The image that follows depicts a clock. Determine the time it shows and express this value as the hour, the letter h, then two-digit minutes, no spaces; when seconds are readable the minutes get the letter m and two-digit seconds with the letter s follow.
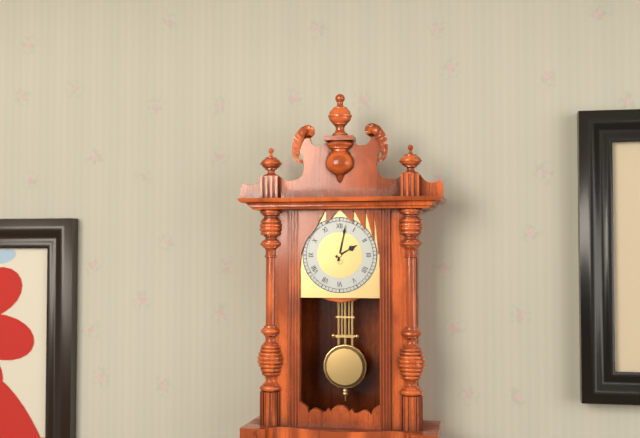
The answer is 2h02
